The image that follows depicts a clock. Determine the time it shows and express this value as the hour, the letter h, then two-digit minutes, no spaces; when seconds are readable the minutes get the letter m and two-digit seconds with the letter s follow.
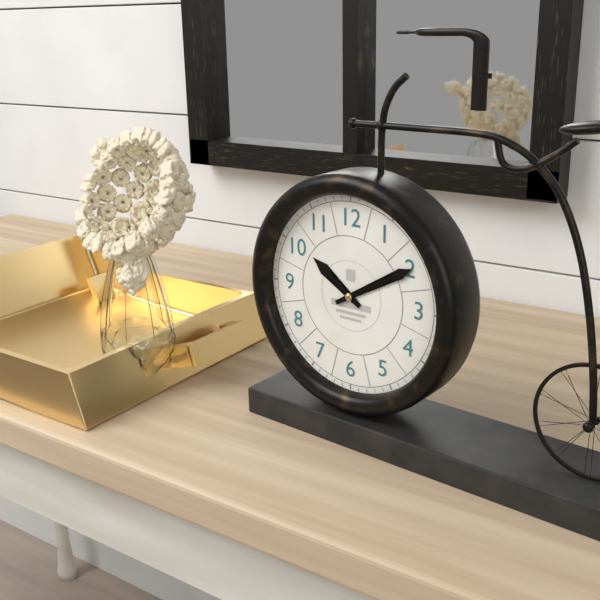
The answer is 10h10
